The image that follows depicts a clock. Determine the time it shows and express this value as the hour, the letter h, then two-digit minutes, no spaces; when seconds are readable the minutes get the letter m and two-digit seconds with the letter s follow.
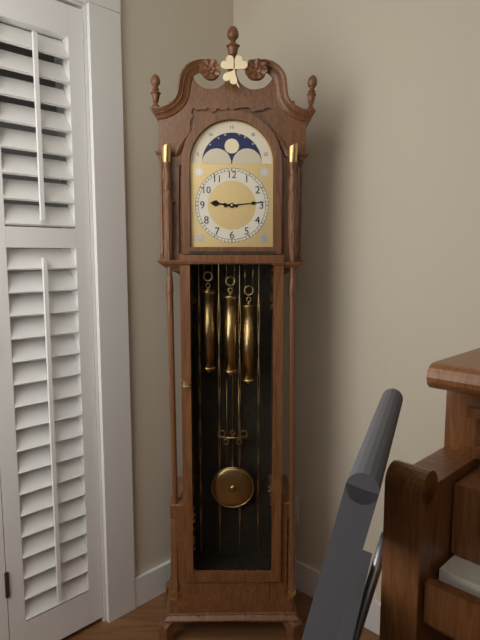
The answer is 9h14
